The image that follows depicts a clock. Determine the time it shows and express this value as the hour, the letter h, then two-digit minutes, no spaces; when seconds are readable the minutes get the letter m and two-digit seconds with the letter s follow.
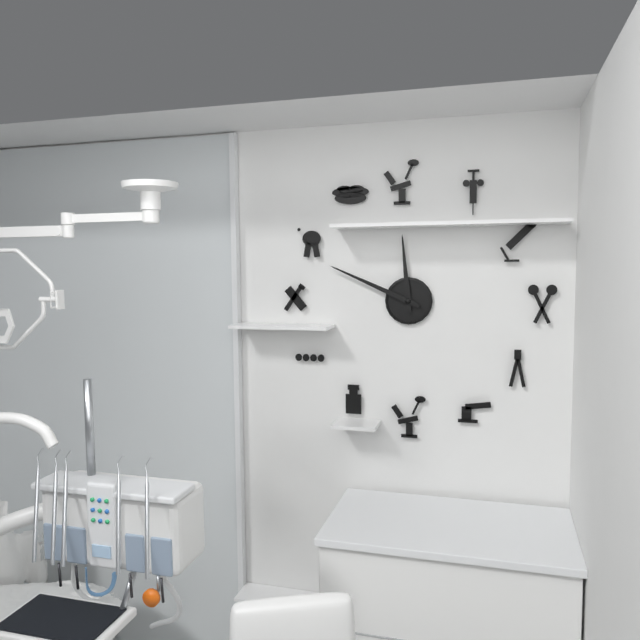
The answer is 11h49
